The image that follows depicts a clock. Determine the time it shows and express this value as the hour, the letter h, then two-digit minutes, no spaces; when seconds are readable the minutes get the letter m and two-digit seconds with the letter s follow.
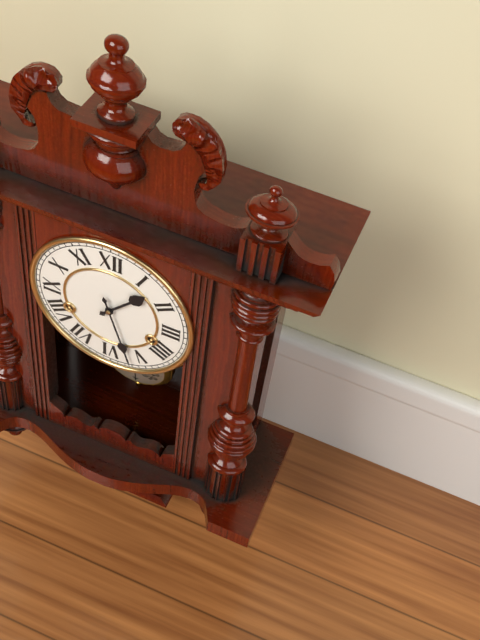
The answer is 1h27
